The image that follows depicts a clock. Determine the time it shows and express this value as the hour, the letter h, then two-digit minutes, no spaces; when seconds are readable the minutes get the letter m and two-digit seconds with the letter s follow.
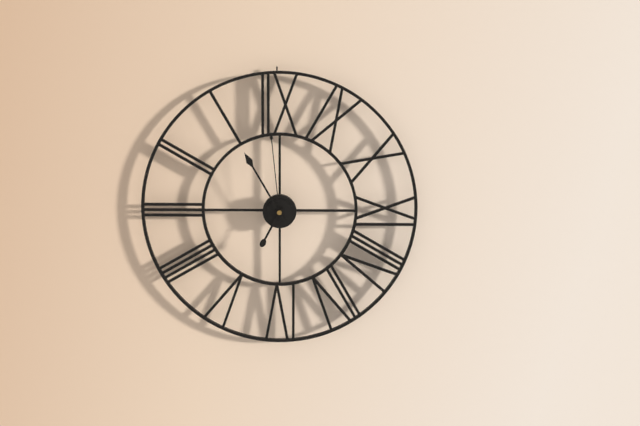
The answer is 6h55m59s
